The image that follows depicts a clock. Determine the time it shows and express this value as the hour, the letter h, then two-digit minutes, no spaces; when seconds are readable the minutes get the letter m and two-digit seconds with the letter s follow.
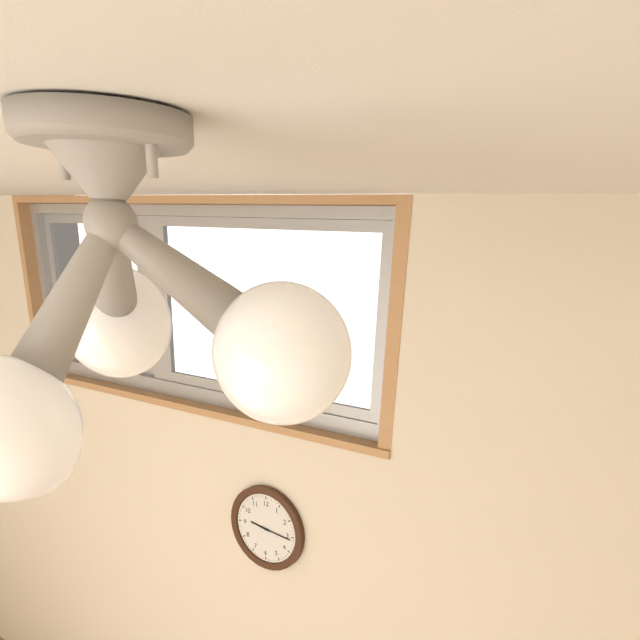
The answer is 9h16
